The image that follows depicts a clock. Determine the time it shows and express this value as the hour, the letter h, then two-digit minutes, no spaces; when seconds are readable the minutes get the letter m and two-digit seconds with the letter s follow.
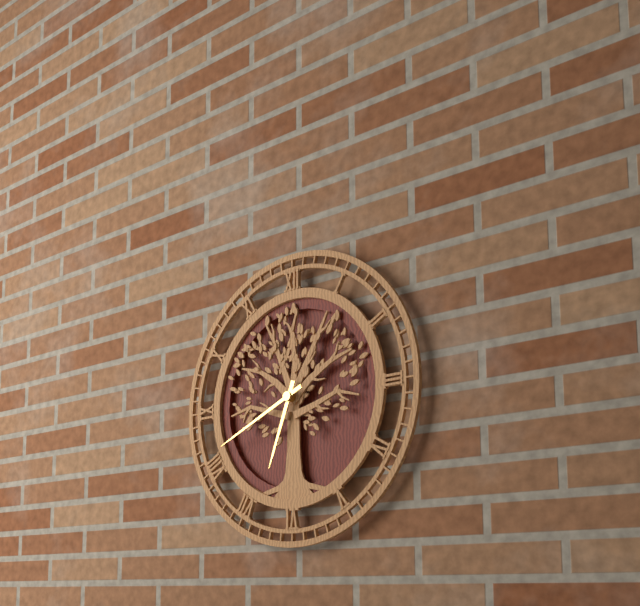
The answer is 6h41
